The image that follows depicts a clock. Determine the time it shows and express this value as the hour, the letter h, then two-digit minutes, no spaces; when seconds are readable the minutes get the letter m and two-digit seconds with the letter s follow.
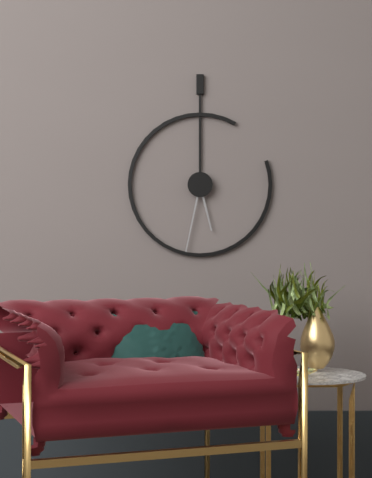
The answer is 5h32
